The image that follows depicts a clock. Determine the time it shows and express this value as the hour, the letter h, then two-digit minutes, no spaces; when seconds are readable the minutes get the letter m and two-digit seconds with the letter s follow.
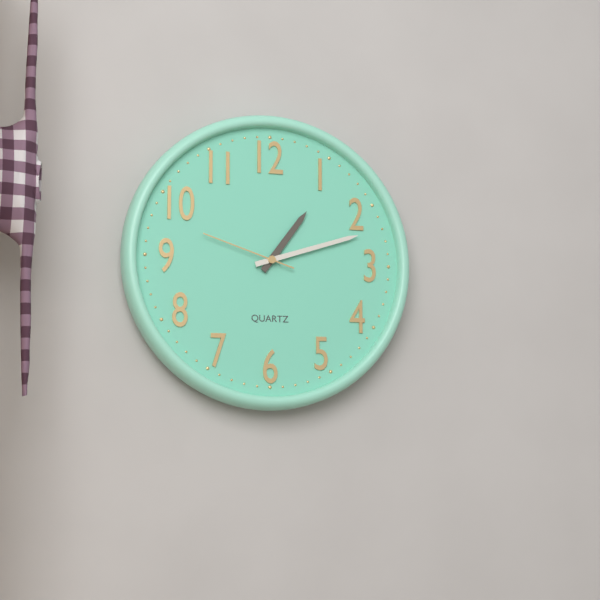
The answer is 1h12m48s
